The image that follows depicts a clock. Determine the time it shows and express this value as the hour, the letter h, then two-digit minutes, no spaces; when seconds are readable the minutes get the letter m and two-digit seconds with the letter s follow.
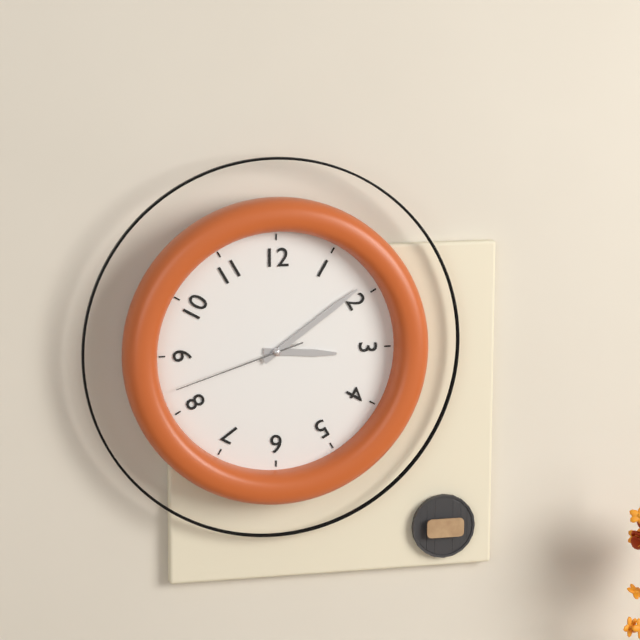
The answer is 3h09m42s
